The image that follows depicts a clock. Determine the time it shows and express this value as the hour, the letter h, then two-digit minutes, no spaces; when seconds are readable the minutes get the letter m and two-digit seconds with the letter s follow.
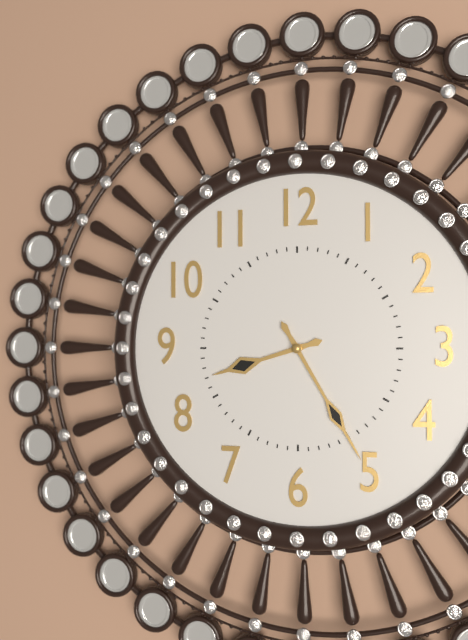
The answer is 8h25
